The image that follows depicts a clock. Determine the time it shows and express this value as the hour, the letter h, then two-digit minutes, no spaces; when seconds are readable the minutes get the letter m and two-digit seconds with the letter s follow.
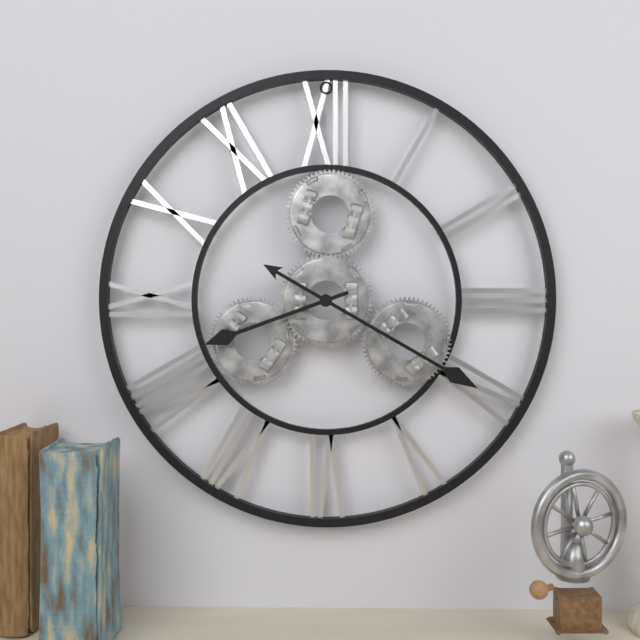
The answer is 8h20
